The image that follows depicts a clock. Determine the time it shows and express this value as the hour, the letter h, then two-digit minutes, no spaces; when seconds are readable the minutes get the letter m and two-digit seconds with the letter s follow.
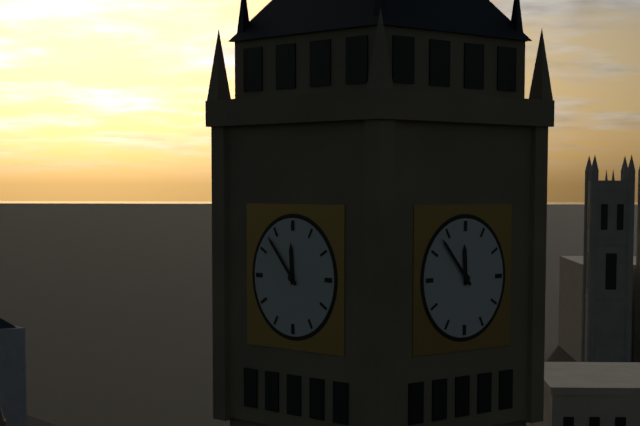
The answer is 11h53
